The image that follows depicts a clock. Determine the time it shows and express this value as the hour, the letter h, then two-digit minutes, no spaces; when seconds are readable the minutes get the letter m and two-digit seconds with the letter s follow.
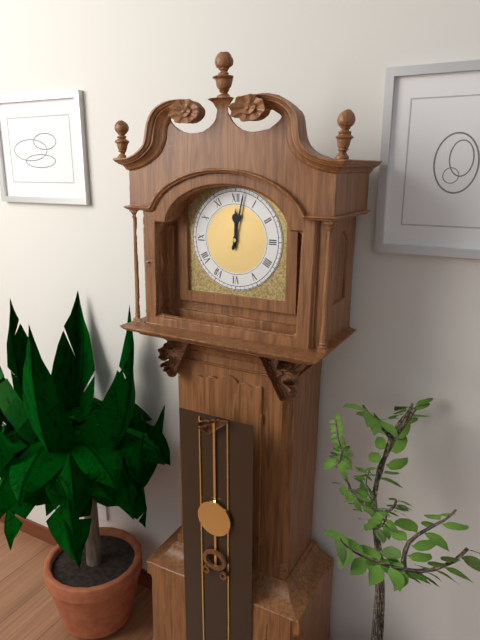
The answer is 12h02
